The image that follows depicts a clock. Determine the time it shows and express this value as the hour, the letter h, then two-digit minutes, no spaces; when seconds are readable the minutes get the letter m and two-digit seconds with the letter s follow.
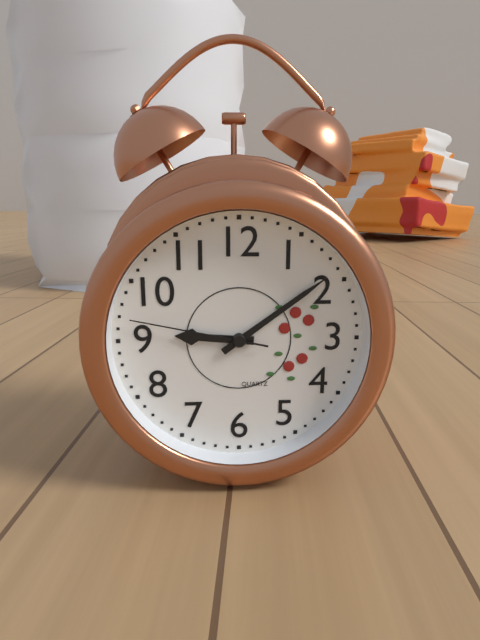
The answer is 9h09m47s
